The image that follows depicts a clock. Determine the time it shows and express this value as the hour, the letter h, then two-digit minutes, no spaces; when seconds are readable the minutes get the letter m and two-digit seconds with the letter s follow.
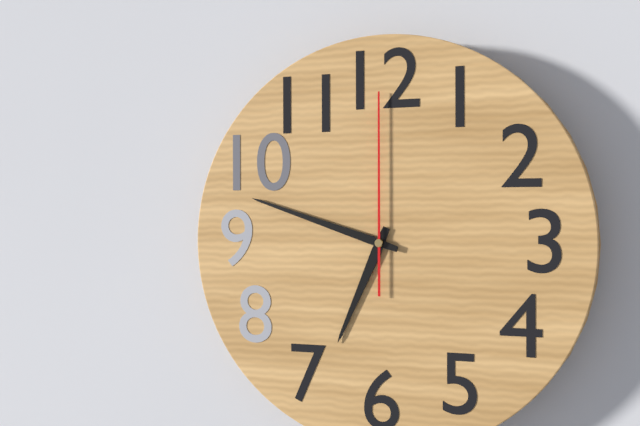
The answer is 6h48m00s
